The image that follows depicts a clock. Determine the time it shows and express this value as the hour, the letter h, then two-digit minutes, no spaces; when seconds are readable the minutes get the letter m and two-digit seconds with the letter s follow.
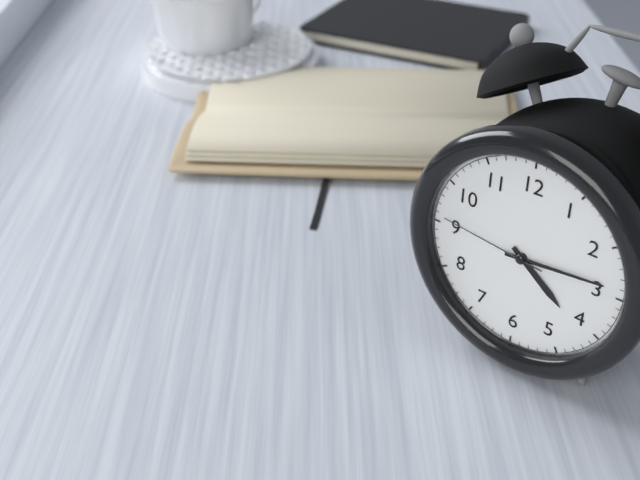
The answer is 4h14m46s
